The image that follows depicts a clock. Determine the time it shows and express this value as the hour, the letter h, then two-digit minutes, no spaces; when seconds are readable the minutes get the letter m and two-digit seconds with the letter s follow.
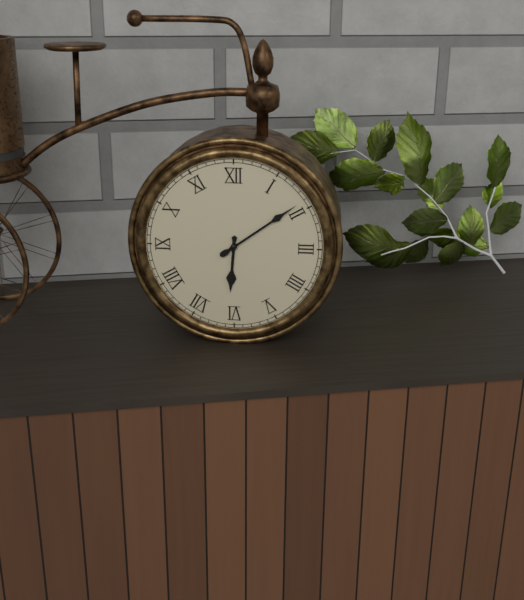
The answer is 6h09
